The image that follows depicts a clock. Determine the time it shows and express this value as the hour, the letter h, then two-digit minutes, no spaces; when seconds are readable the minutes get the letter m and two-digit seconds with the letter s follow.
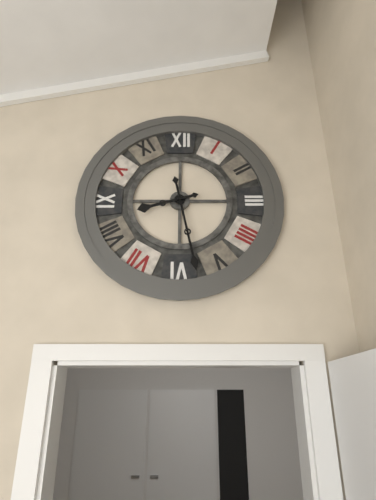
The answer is 8h28
